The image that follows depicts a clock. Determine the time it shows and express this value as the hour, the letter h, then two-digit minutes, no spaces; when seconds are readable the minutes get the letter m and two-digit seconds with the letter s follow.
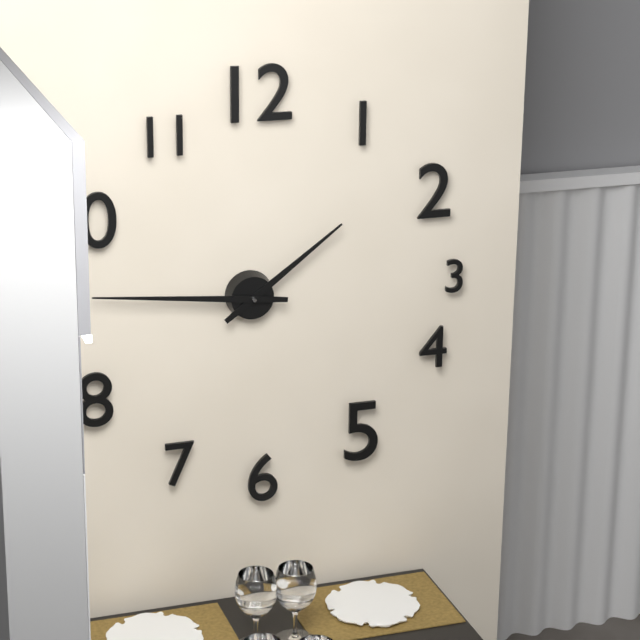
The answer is 1h46
